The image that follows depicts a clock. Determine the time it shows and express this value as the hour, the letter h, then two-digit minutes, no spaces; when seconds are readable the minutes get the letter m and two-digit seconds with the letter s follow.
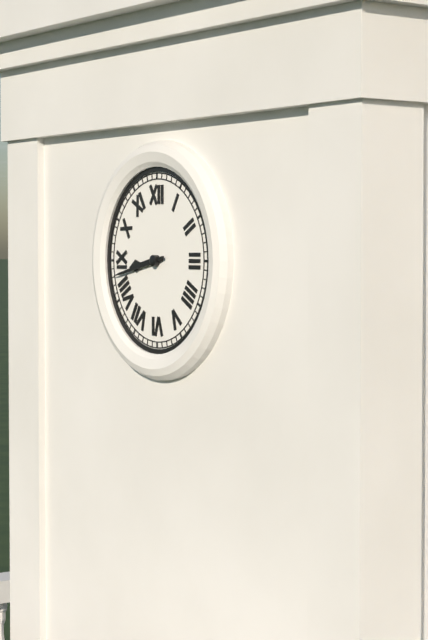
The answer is 8h43
